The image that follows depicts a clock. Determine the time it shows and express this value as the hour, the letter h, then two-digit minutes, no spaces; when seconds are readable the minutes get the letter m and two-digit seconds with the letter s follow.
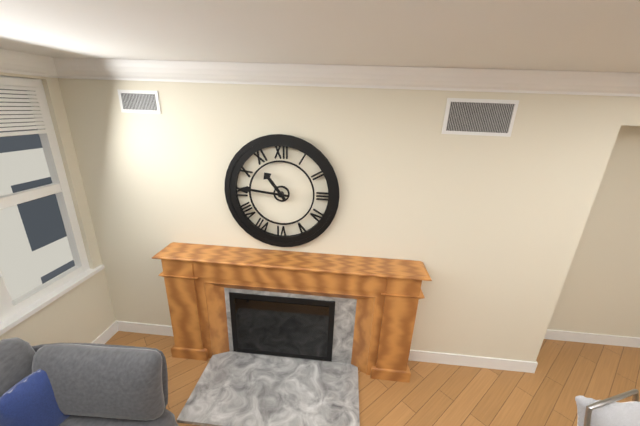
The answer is 10h46
